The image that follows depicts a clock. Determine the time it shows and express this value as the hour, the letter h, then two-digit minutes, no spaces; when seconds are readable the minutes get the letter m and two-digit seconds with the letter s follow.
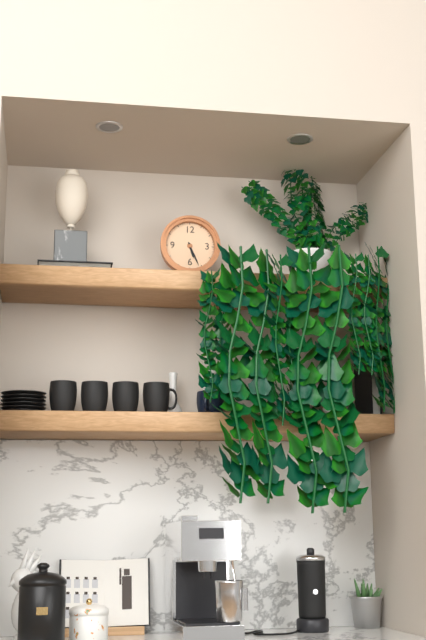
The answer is 5h26
